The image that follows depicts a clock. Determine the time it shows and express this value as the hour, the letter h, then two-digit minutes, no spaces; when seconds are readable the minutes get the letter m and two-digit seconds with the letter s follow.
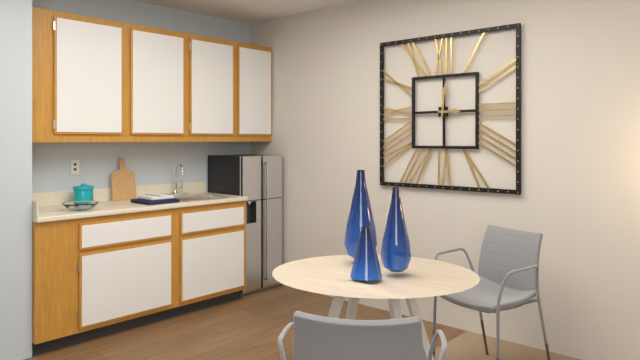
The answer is 3h01
